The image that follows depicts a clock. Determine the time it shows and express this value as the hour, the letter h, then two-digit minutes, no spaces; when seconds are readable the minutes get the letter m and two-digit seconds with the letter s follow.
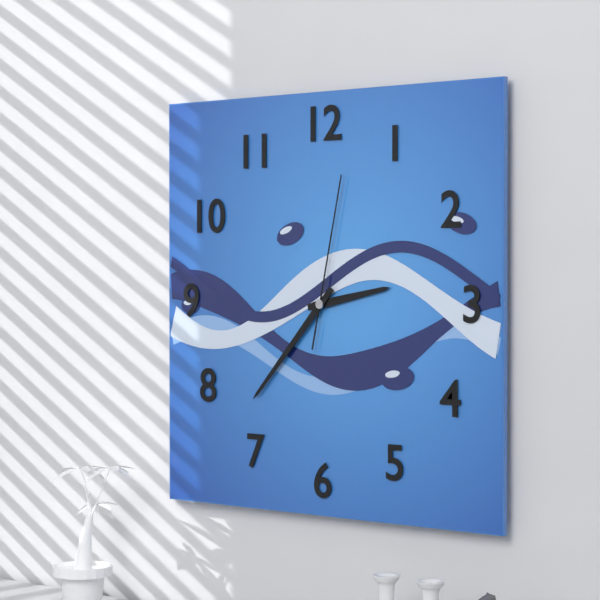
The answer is 2h37m02s
